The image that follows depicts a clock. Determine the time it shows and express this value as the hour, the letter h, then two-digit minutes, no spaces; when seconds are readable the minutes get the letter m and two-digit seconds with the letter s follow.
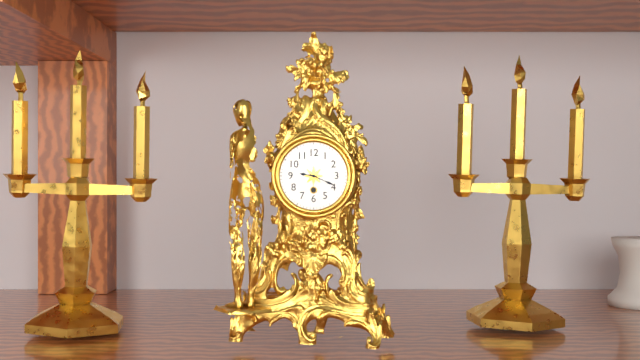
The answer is 9h19
